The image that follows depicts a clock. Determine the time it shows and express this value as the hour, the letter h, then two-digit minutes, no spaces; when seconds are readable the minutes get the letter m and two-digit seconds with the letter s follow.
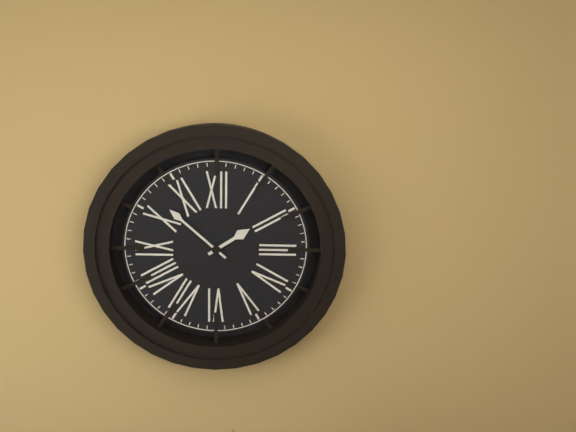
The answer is 1h52
